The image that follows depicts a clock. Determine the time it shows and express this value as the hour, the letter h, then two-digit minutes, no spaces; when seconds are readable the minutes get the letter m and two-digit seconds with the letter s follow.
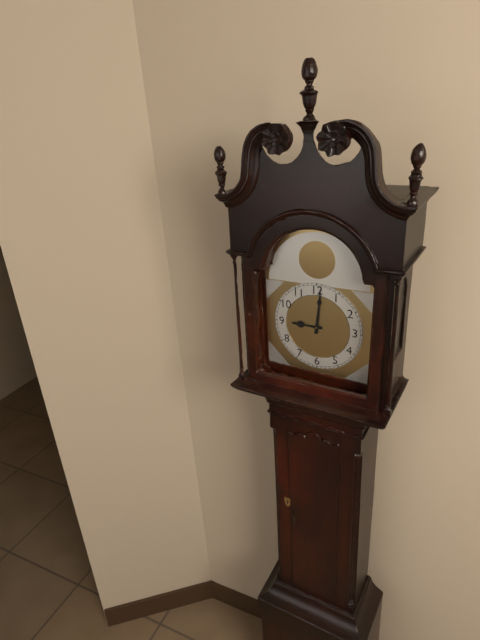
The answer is 9h01
